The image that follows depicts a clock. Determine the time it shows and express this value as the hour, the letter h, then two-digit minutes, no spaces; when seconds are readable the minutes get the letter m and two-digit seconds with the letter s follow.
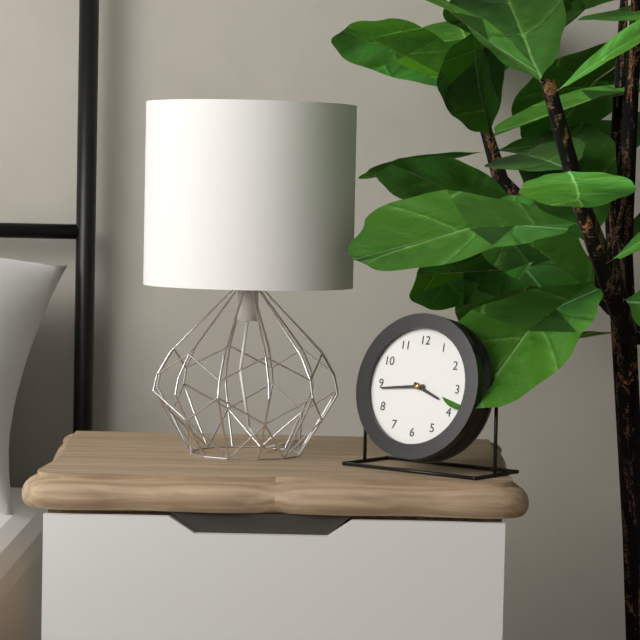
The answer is 3h44
